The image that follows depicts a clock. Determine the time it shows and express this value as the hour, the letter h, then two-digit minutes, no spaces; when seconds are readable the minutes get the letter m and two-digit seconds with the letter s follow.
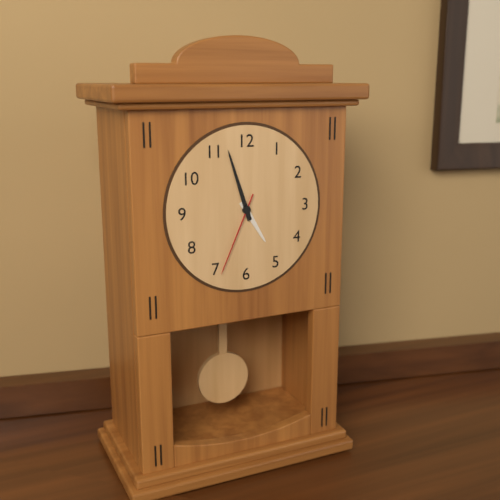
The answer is 4h57m34s
